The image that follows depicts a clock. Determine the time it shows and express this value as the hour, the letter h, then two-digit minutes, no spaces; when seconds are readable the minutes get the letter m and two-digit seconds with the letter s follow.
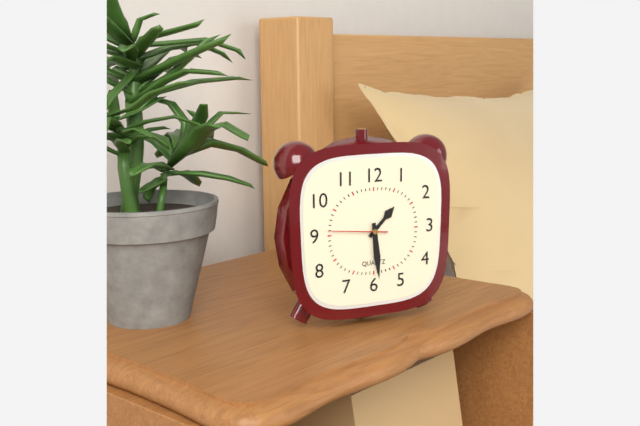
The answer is 1h29m46s
